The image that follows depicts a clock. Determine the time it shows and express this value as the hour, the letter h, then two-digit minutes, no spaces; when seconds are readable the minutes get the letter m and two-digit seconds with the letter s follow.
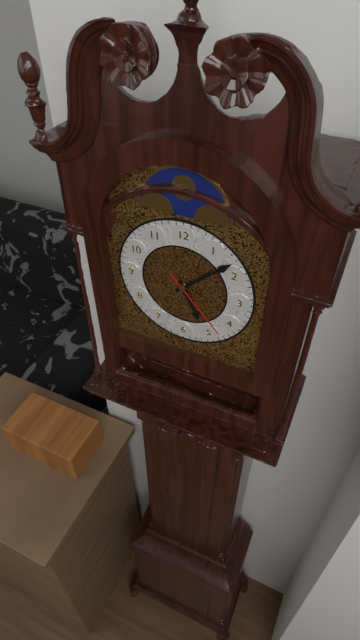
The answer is 5h08m23s
